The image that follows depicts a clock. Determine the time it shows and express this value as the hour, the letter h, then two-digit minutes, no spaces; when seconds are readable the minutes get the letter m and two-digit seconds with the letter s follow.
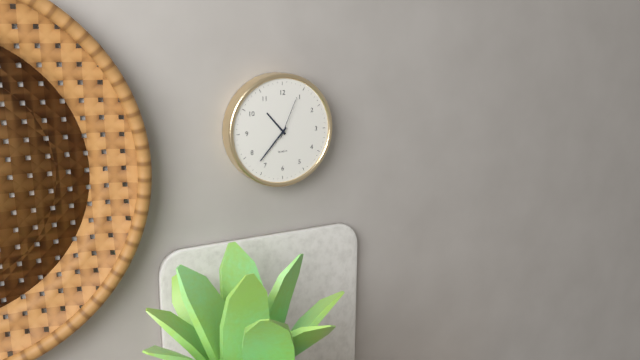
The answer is 10h37
